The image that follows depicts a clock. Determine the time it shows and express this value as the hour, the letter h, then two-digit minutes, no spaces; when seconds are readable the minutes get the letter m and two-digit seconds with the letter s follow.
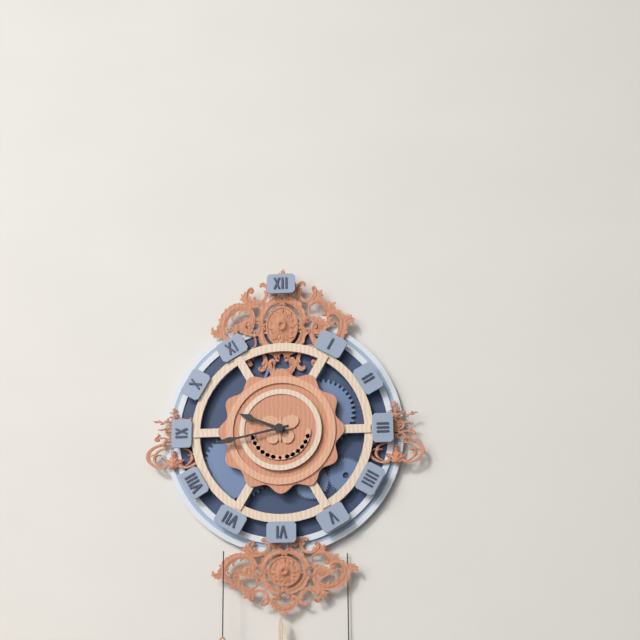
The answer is 9h43
